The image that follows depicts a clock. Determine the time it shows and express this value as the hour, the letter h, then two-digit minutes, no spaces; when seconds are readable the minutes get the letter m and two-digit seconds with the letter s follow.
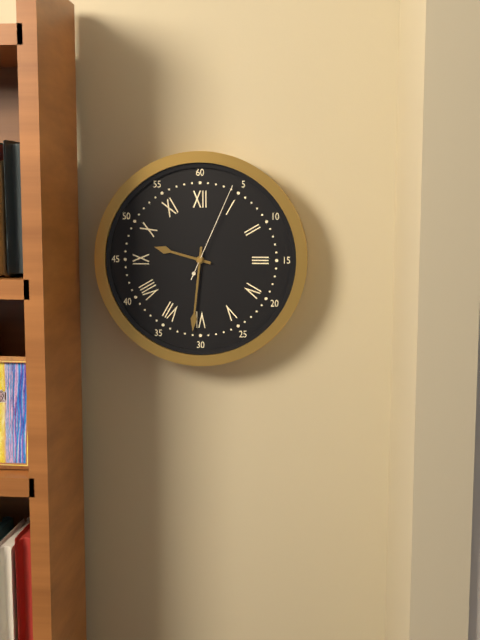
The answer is 9h31m04s
